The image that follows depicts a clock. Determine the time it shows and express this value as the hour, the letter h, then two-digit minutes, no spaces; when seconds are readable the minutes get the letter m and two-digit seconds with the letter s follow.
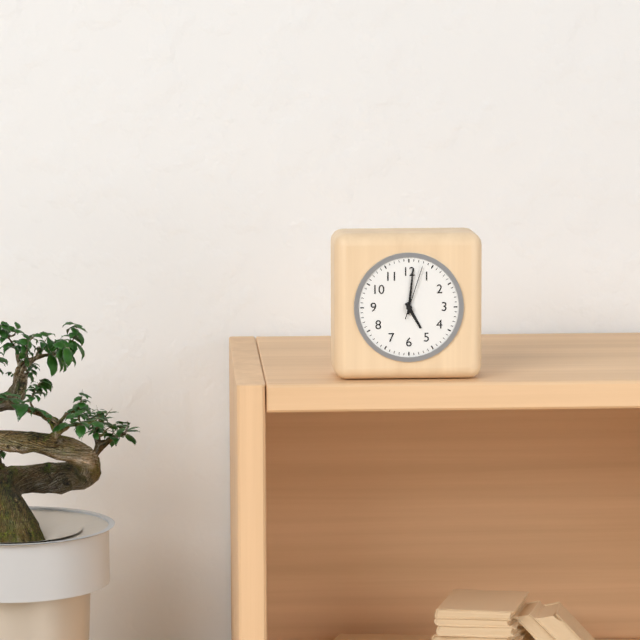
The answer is 5h01m03s
